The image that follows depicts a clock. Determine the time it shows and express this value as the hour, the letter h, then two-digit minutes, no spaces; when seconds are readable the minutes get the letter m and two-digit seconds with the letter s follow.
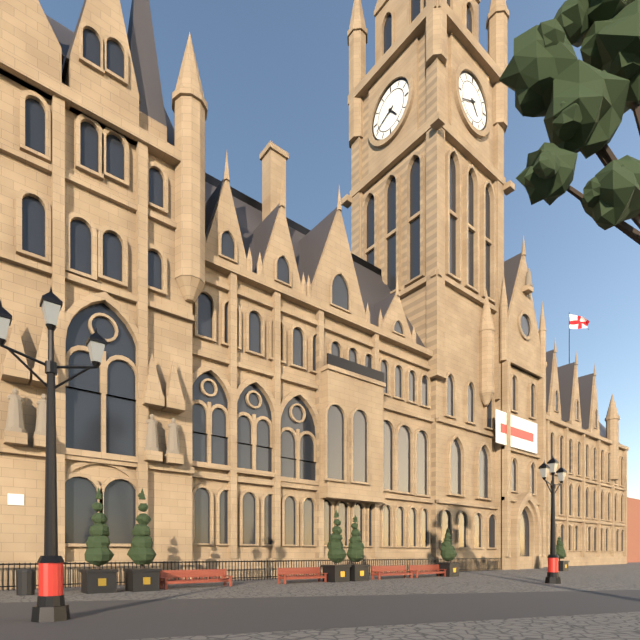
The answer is 4h41
